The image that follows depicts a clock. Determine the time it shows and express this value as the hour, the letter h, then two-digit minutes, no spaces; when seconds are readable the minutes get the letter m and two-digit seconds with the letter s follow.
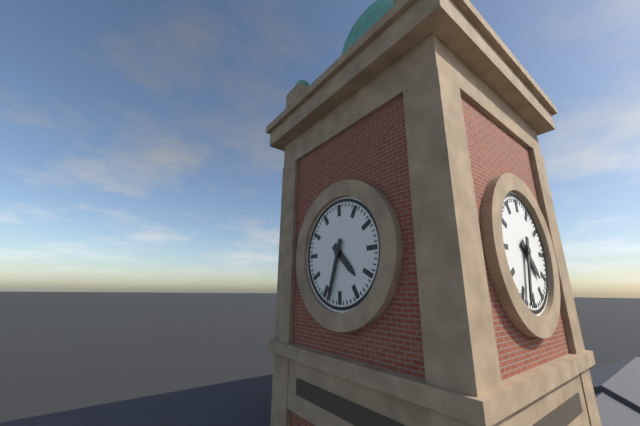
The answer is 4h33
